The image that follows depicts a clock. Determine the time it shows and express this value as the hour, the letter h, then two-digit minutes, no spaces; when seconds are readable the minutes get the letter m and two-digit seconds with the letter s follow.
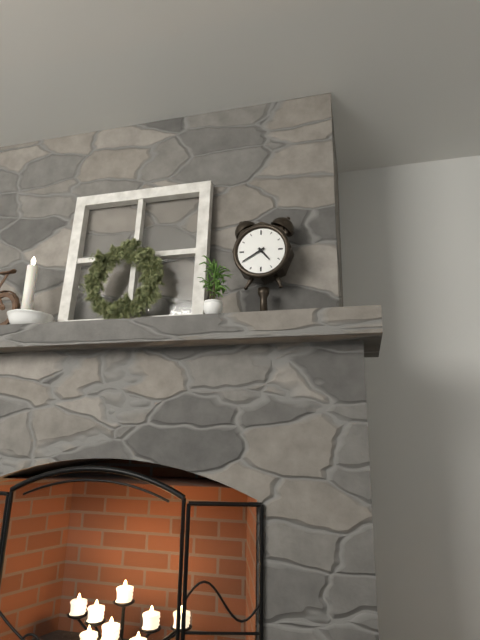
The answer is 4h40
